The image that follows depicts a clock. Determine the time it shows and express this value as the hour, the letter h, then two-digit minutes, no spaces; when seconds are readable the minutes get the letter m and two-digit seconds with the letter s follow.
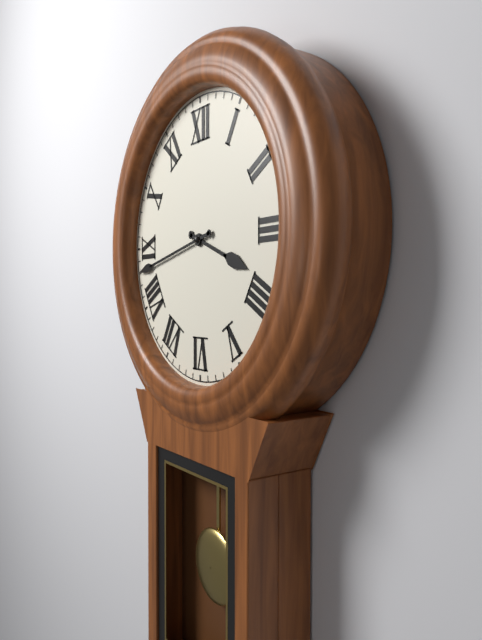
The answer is 3h43
